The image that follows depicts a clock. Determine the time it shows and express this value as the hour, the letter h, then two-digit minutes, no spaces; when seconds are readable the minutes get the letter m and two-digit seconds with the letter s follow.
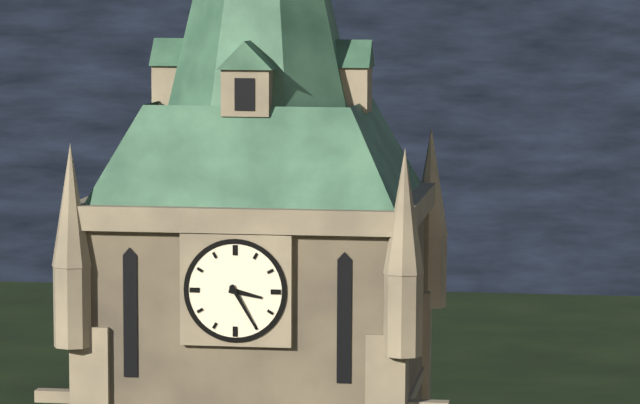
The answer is 3h25
